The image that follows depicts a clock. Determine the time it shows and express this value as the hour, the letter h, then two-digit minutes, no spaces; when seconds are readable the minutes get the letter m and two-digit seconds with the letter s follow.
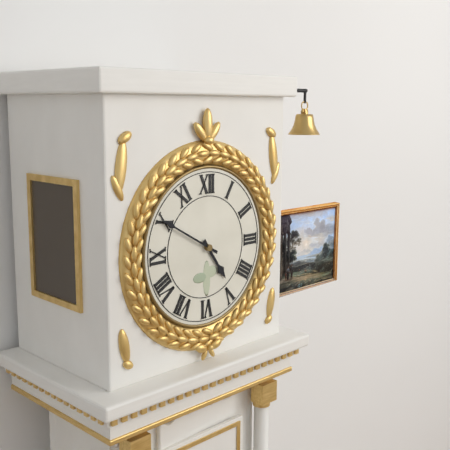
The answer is 4h50
